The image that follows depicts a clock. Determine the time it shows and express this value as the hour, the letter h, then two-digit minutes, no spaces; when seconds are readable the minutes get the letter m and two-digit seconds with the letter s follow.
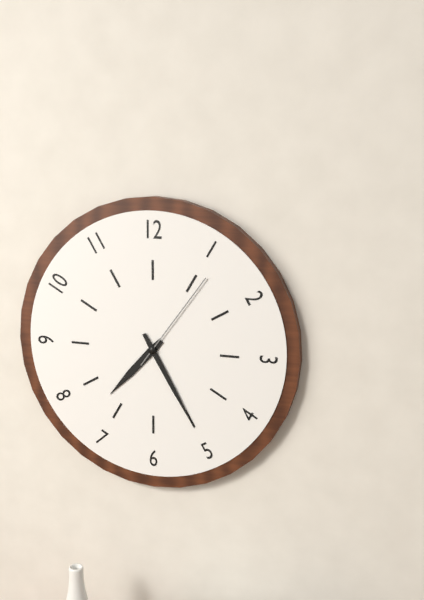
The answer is 7h25m06s
